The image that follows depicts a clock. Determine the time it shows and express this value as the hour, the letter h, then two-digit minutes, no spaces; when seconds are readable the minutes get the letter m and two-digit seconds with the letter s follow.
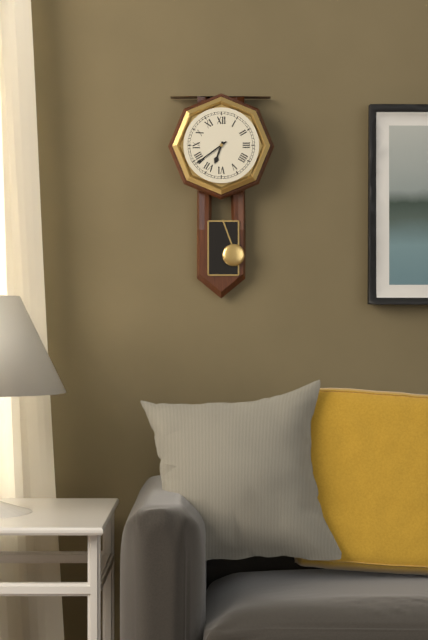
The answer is 6h39
